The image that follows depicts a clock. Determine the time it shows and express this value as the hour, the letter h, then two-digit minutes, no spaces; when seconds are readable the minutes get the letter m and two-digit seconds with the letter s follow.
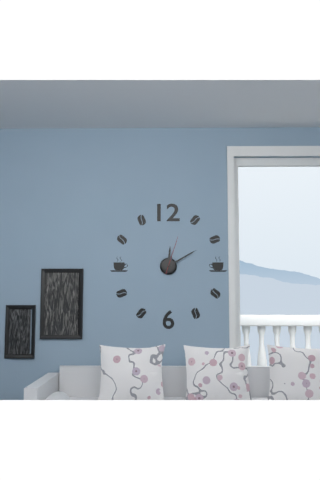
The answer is 12h10
